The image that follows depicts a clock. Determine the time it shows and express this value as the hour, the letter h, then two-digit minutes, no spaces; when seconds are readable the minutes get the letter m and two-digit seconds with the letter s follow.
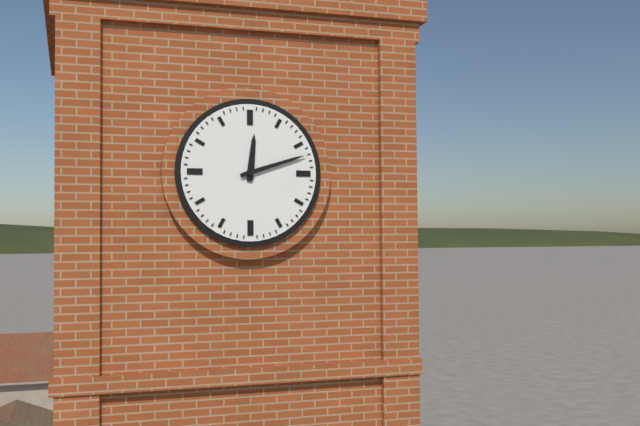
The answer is 12h12
